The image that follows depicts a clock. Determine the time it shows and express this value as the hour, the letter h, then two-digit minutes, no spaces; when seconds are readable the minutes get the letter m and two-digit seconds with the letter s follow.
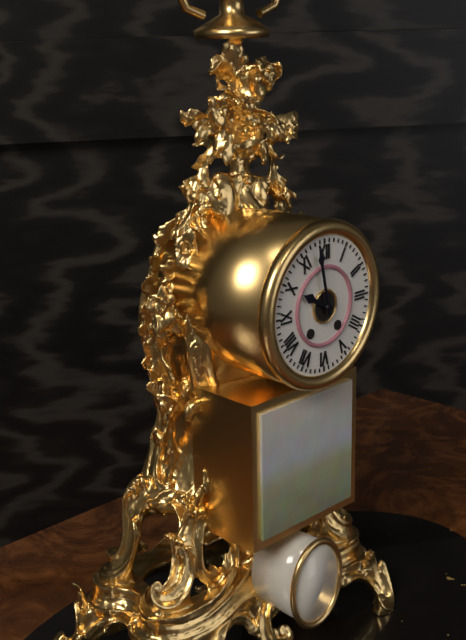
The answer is 9h58
